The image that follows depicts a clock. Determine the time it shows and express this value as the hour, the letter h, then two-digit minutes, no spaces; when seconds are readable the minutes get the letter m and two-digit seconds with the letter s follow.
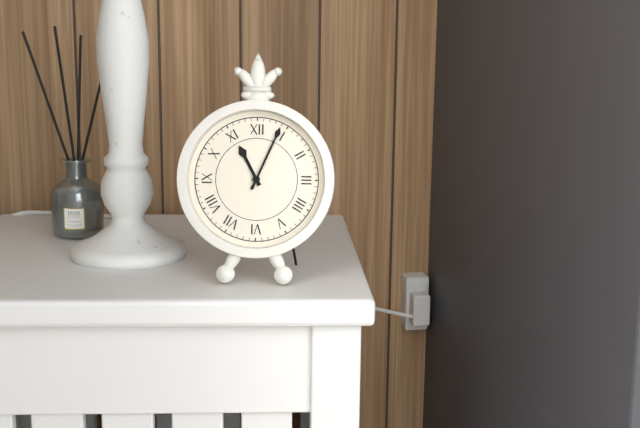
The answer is 11h04
